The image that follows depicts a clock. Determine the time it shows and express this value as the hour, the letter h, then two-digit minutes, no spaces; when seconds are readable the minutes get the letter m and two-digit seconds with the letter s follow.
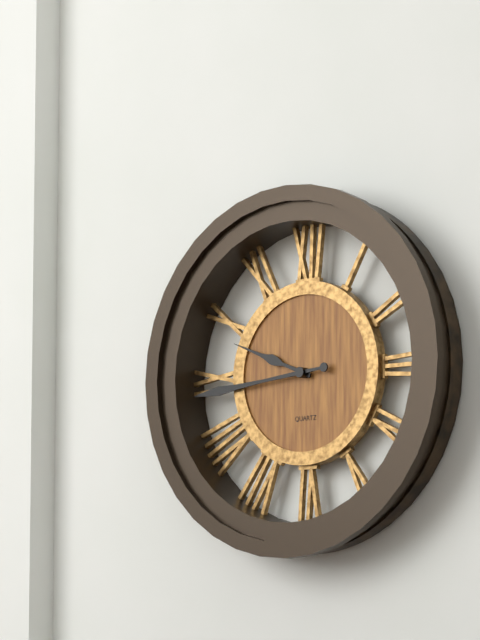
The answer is 9h44
